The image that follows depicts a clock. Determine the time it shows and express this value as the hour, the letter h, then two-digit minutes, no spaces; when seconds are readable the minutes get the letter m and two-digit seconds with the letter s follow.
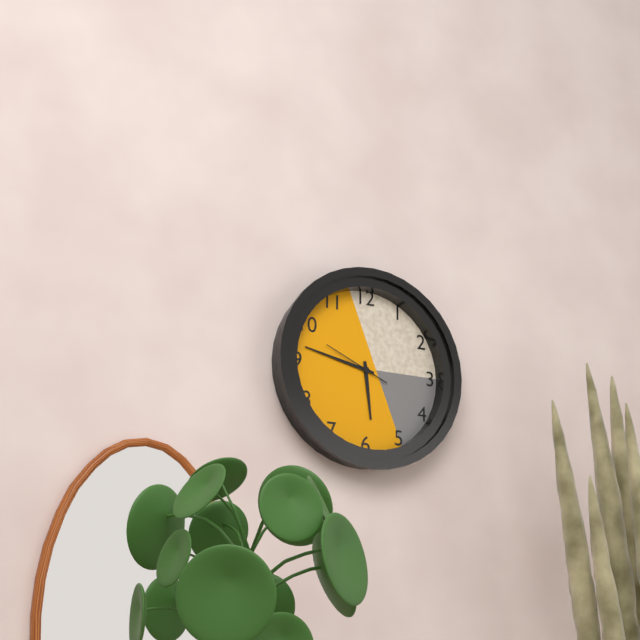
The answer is 5h47m49s
